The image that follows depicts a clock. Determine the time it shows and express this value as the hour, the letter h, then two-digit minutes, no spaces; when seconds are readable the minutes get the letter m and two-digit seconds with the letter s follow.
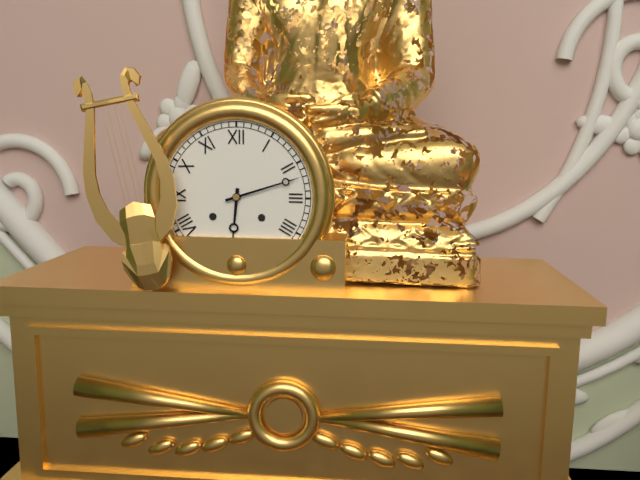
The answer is 6h12
